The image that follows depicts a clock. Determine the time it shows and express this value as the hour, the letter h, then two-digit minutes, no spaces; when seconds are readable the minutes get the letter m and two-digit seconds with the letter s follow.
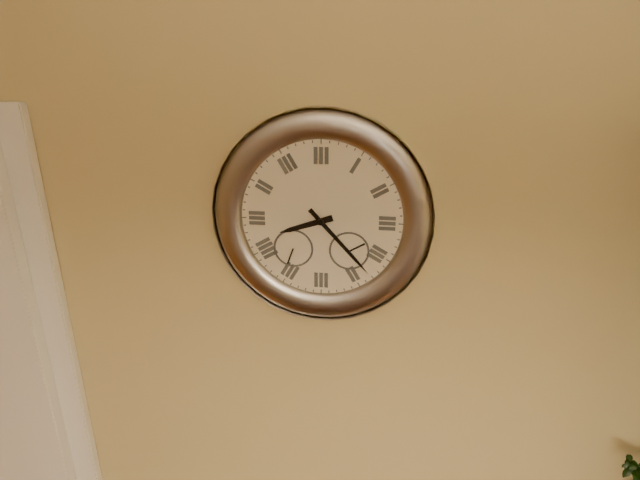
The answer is 8h23
